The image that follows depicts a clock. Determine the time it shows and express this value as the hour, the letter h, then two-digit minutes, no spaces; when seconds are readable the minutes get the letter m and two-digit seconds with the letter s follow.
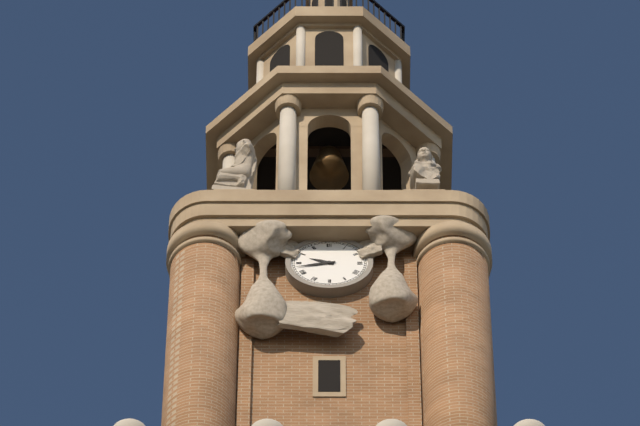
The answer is 9h43
